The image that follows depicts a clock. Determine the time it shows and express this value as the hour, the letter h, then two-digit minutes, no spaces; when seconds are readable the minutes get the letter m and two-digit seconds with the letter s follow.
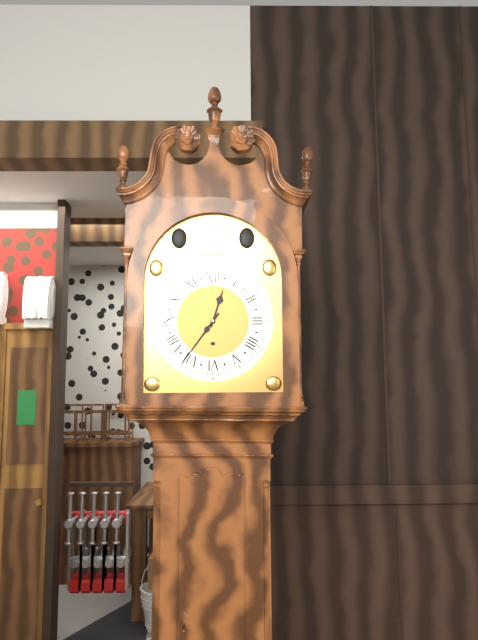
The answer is 12h36
